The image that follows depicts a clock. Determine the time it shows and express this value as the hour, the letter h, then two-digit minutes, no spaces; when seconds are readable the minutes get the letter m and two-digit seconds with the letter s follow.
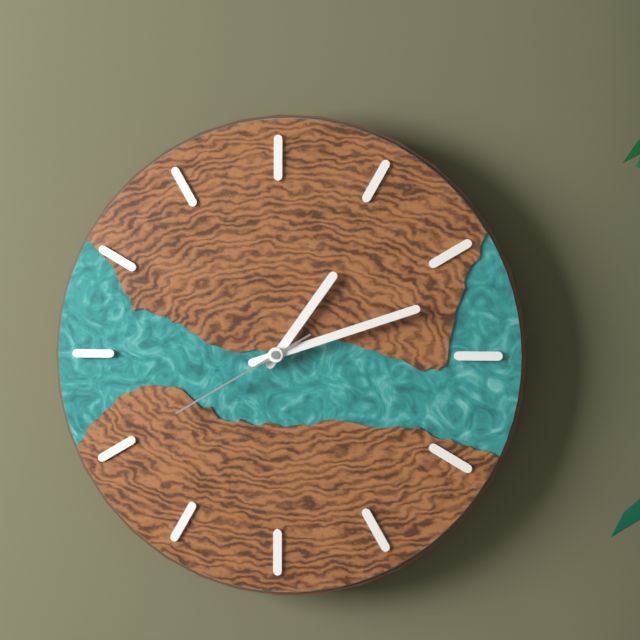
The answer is 1h12m40s
